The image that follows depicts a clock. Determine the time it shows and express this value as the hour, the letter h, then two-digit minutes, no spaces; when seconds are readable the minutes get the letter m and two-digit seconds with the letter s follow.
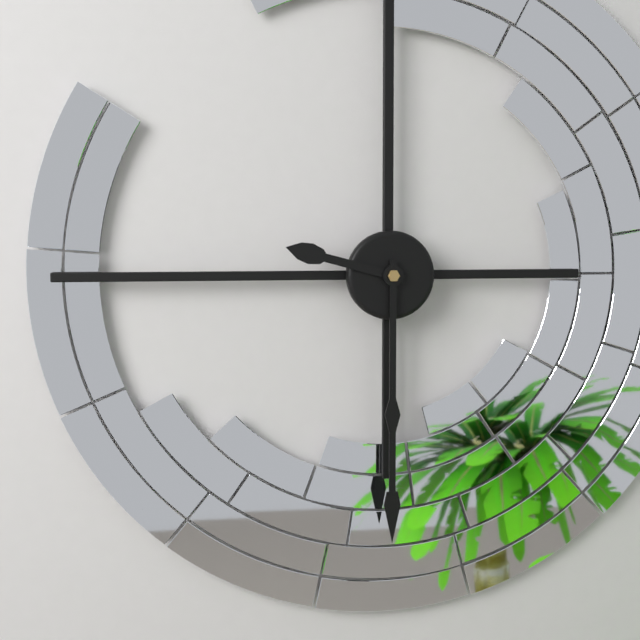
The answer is 9h30
